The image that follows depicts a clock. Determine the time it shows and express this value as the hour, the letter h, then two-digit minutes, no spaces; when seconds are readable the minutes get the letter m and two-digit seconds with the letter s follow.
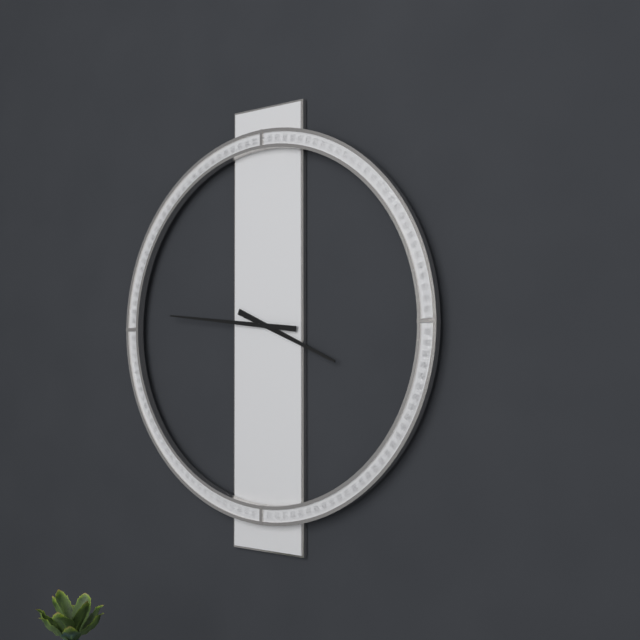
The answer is 3h46
